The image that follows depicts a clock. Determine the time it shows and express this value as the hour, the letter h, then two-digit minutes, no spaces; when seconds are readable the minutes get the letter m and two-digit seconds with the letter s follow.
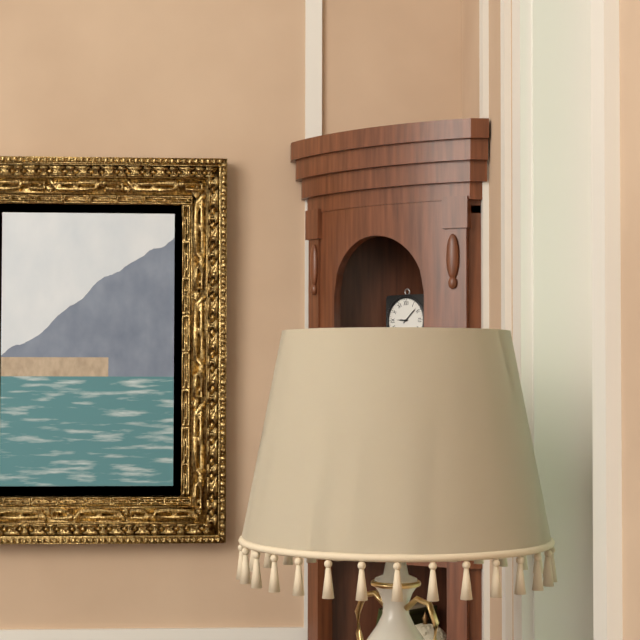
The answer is 9h08
